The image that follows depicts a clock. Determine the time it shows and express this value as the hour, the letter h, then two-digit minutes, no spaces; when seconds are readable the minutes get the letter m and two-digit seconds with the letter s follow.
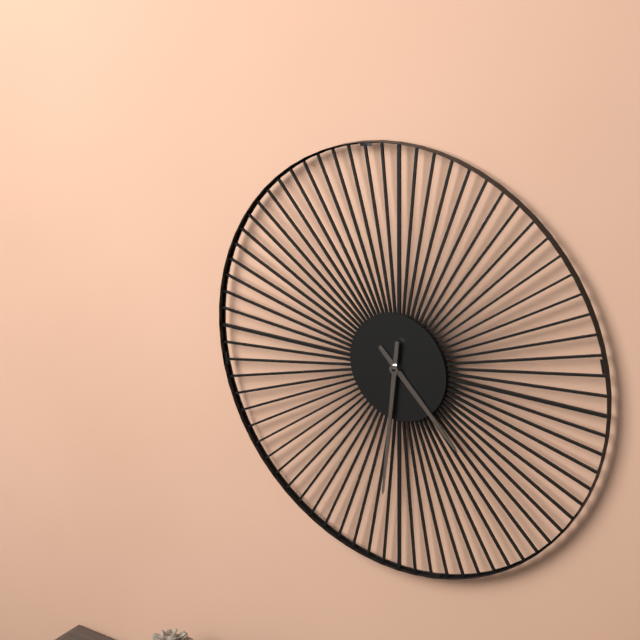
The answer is 4h31
